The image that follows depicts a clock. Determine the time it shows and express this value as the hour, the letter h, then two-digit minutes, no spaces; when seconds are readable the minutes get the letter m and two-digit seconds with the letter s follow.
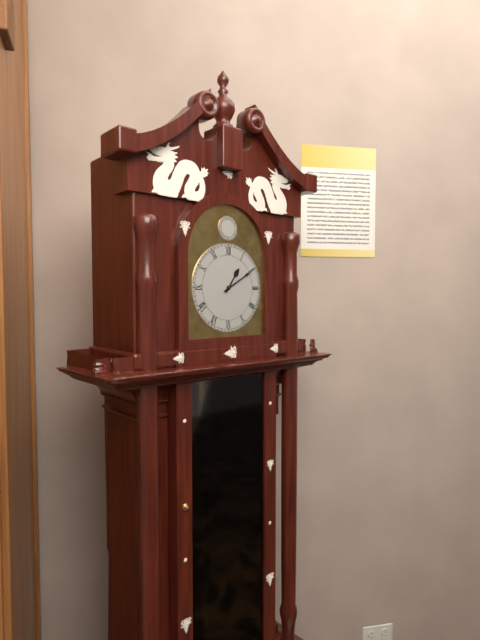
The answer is 1h10
